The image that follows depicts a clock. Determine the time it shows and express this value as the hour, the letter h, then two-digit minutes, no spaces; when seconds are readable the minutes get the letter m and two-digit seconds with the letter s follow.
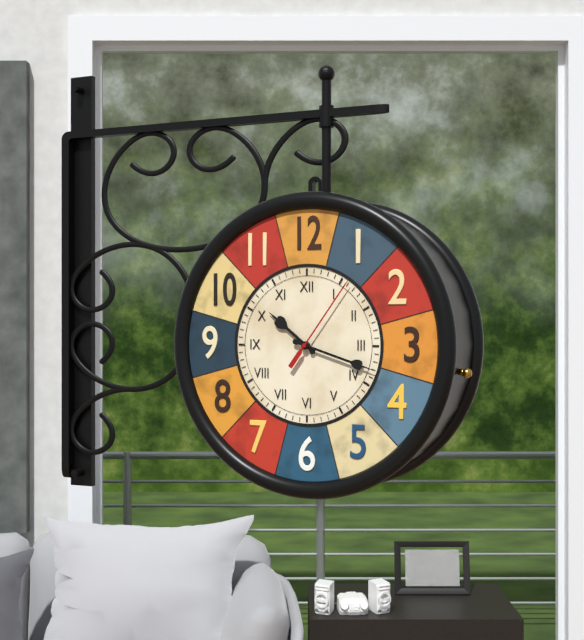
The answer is 10h18m06s
